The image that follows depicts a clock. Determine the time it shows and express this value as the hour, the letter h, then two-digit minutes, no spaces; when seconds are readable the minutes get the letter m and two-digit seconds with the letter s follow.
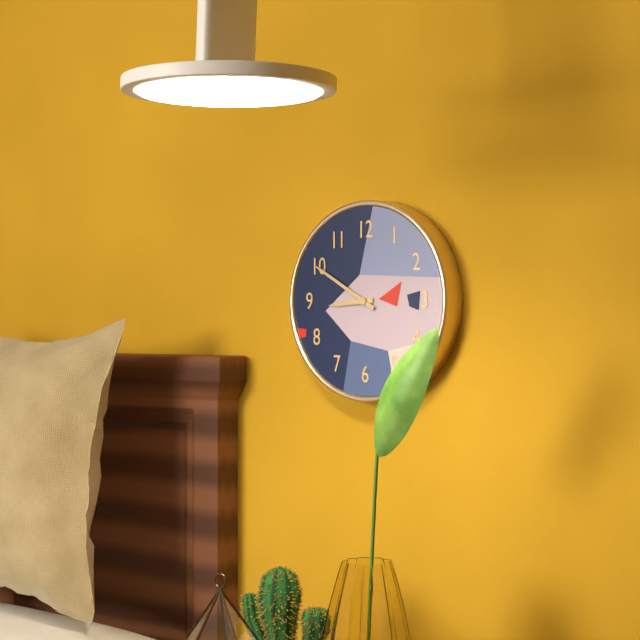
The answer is 8h50
